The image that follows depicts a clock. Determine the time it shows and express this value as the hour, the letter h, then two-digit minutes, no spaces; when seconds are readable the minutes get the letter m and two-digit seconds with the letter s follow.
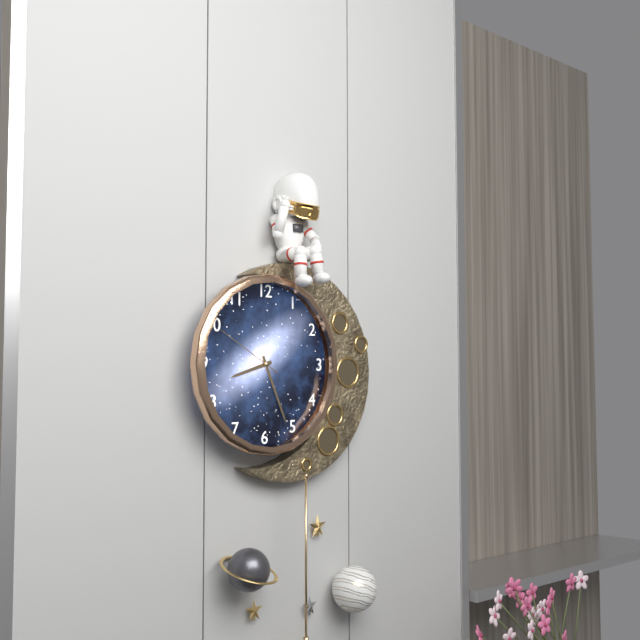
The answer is 8h26m50s
